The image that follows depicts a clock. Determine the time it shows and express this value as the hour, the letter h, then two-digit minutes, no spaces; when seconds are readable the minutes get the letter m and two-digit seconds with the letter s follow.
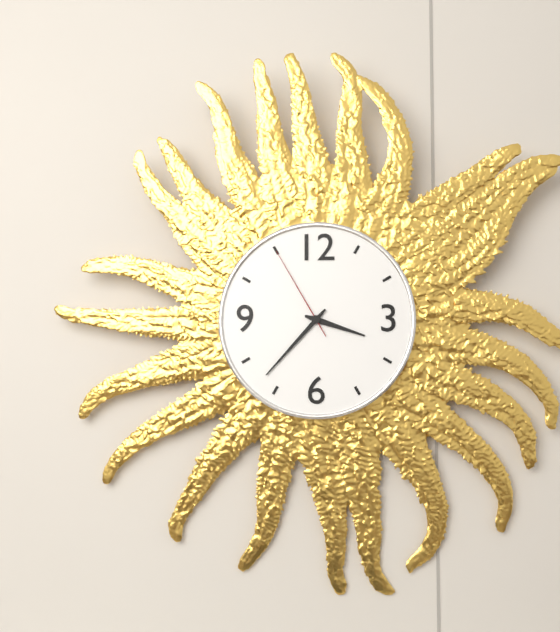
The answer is 3h37m55s
